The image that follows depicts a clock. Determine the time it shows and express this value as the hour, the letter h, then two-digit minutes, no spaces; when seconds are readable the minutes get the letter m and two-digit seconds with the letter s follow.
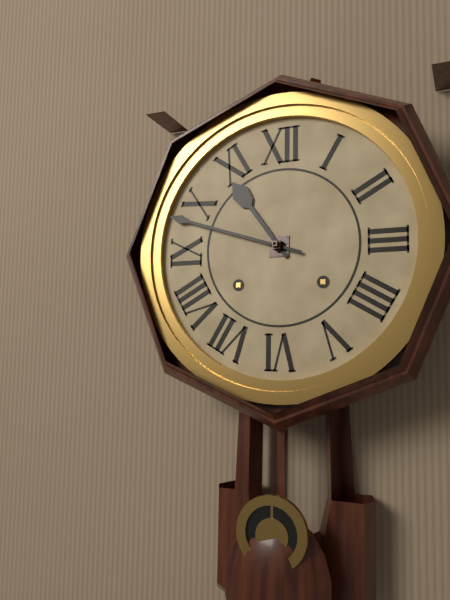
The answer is 10h48
